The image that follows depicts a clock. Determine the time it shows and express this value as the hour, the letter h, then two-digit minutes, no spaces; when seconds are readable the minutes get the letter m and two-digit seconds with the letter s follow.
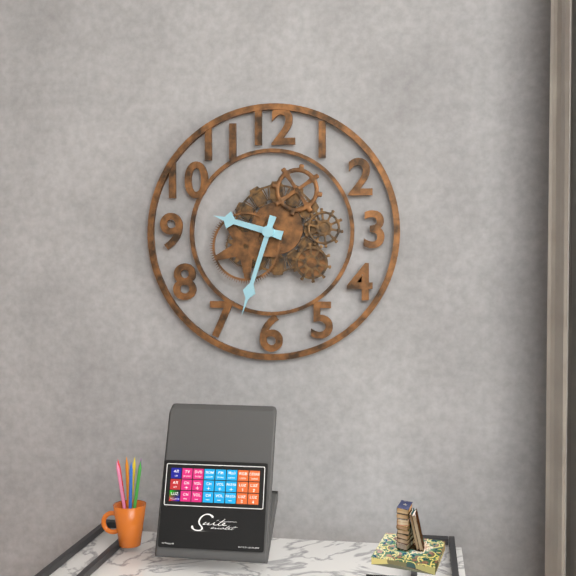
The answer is 9h33
